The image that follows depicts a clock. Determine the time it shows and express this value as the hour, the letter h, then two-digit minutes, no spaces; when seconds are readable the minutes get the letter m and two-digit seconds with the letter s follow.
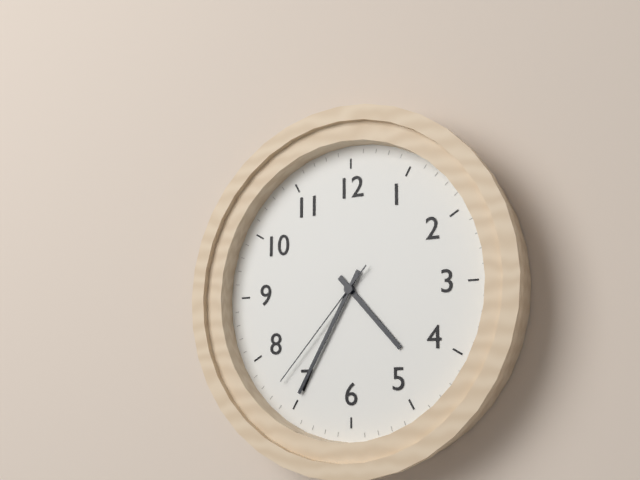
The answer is 4h35m37s
